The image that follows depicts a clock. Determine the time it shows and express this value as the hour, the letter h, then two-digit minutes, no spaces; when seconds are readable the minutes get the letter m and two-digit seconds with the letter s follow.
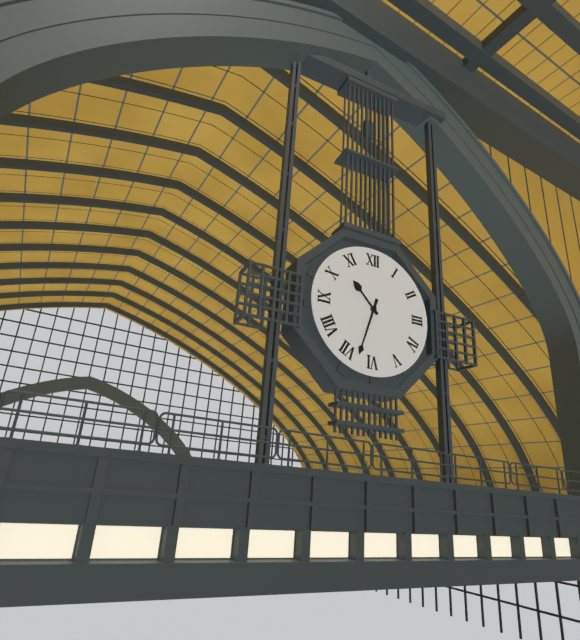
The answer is 10h33
